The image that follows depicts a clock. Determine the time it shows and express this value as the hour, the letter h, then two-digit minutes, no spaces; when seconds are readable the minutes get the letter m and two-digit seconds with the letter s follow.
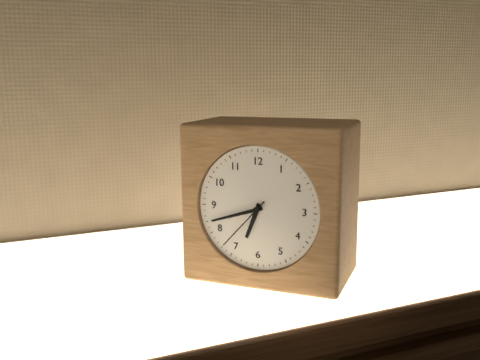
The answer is 6h42m37s
